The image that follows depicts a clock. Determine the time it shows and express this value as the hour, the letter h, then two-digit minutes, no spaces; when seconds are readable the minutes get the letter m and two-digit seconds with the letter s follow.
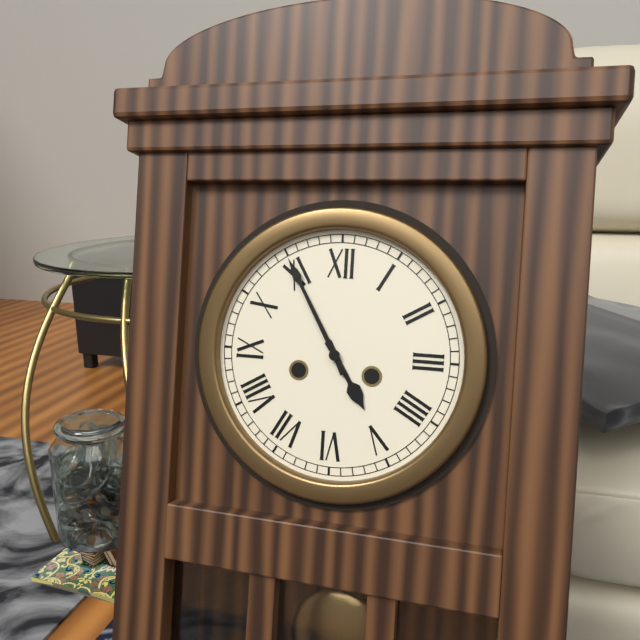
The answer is 4h55
